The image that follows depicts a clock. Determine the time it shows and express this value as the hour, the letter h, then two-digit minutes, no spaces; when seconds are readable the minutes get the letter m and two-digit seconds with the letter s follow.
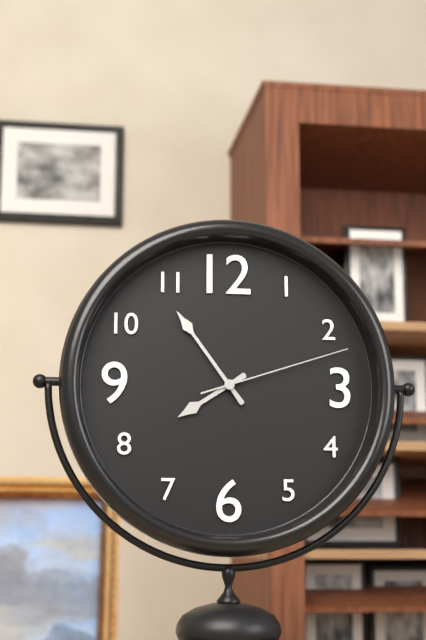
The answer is 7h54m12s
